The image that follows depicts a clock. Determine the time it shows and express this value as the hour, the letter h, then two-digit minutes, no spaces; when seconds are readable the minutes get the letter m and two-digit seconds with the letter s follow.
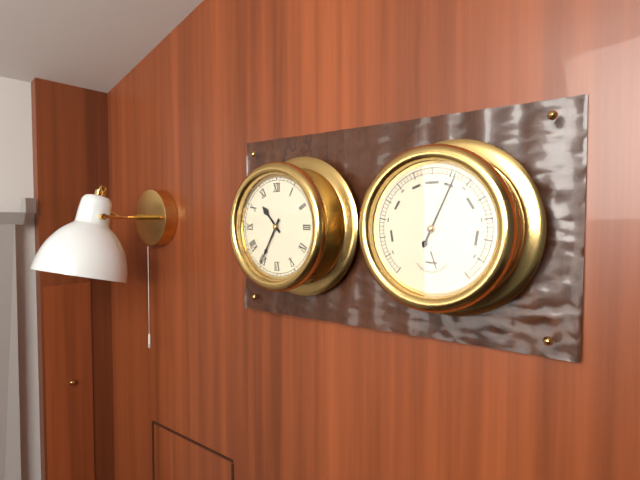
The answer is 10h35
